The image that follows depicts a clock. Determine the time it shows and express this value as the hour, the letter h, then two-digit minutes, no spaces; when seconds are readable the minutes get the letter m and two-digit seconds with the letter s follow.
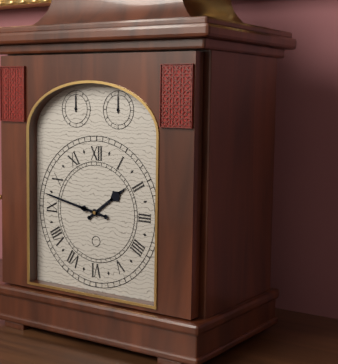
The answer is 1h47
